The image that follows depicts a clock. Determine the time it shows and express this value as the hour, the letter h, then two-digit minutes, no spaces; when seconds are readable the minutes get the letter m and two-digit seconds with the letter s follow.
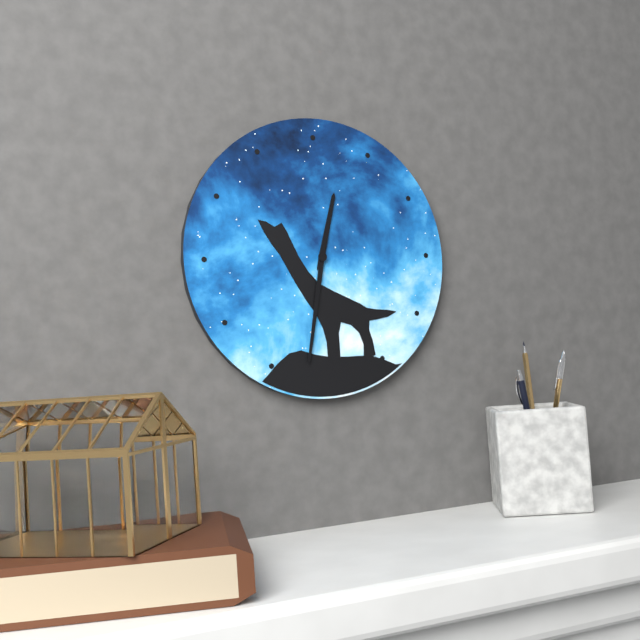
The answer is 12h32
